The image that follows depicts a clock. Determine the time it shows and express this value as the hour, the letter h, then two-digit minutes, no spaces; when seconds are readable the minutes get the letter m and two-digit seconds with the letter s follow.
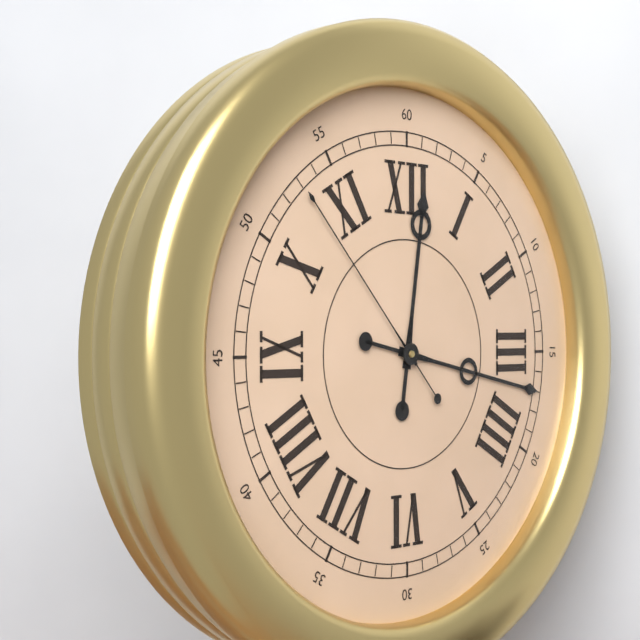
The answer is 12h17m53s
